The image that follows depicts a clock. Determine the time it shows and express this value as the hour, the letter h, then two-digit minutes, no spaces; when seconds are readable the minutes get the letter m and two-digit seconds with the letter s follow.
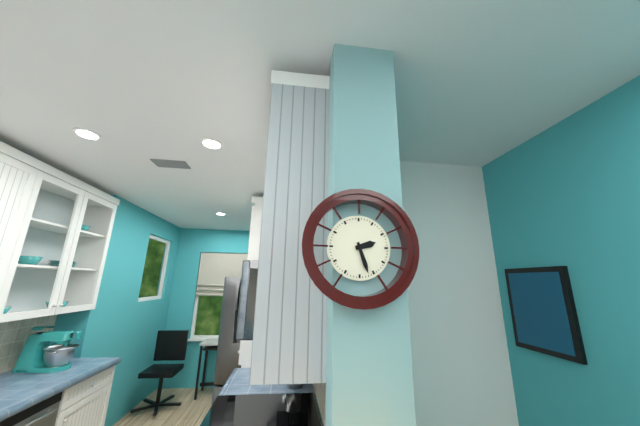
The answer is 2h27
